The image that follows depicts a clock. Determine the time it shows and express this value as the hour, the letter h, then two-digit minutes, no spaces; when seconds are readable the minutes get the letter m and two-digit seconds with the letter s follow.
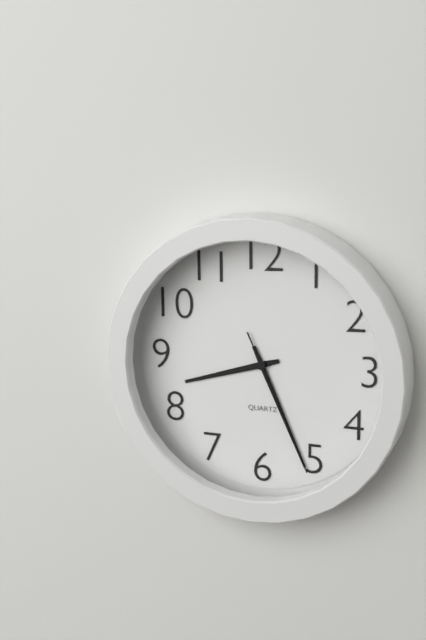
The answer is 8h26m26s
